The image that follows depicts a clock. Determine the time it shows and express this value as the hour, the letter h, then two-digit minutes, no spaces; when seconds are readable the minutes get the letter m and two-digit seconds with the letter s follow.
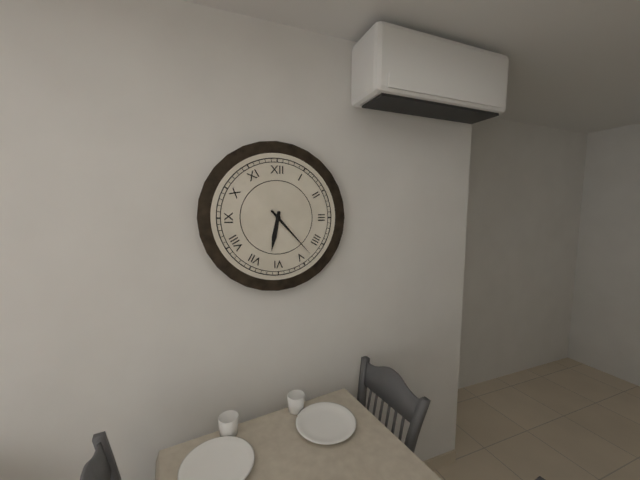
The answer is 6h23
